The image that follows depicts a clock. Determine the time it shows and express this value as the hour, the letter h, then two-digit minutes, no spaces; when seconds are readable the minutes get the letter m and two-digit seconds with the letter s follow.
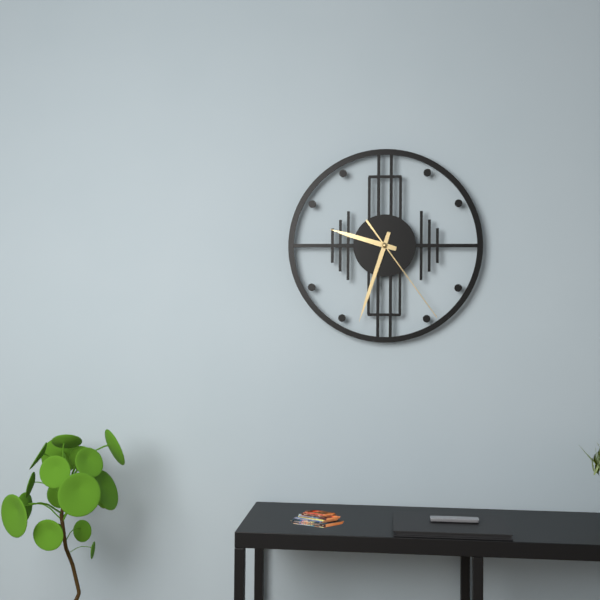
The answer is 9h33m24s
